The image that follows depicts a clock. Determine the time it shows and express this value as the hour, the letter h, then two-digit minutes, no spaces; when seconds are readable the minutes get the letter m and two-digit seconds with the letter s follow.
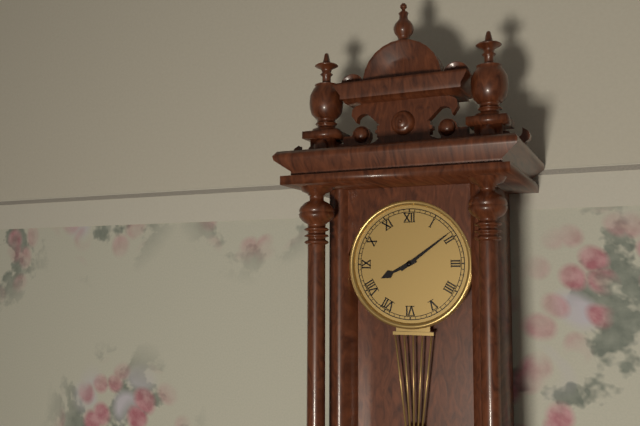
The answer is 8h09
